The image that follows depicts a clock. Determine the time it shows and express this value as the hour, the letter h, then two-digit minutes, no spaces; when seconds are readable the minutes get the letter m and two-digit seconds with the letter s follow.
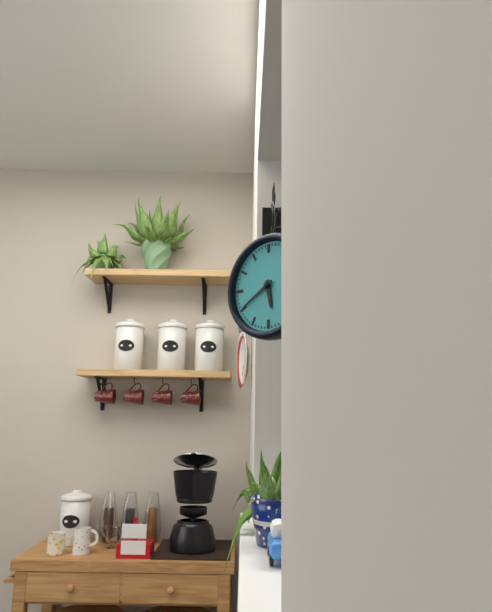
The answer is 5h40
